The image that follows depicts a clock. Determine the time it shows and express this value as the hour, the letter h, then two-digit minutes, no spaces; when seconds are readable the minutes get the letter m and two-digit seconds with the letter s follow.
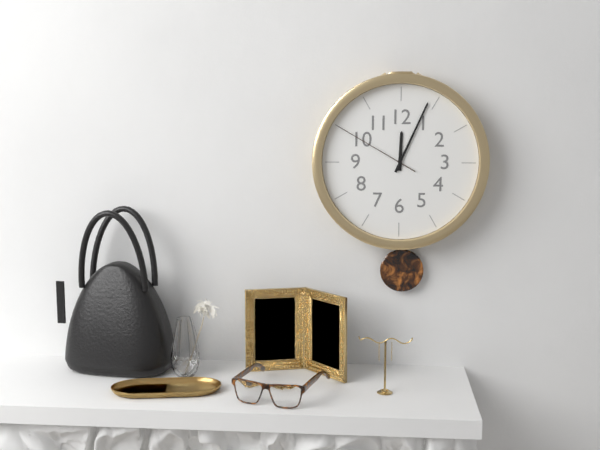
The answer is 12h04m50s
